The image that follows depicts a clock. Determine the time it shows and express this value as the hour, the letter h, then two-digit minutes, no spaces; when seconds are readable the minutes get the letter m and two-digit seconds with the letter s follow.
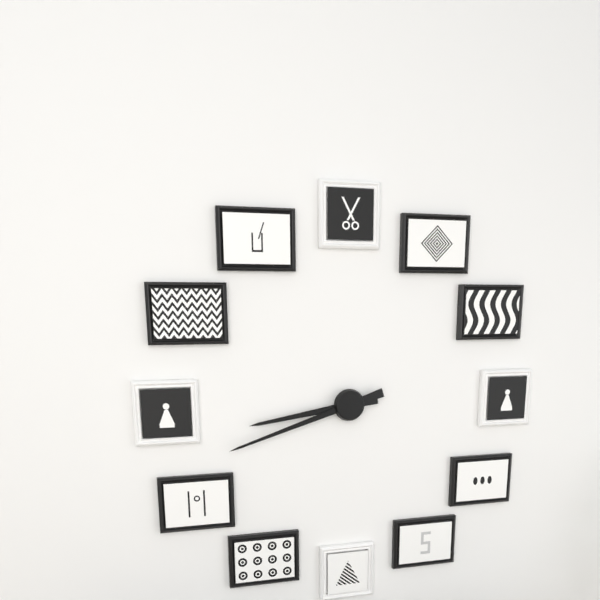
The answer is 8h42
